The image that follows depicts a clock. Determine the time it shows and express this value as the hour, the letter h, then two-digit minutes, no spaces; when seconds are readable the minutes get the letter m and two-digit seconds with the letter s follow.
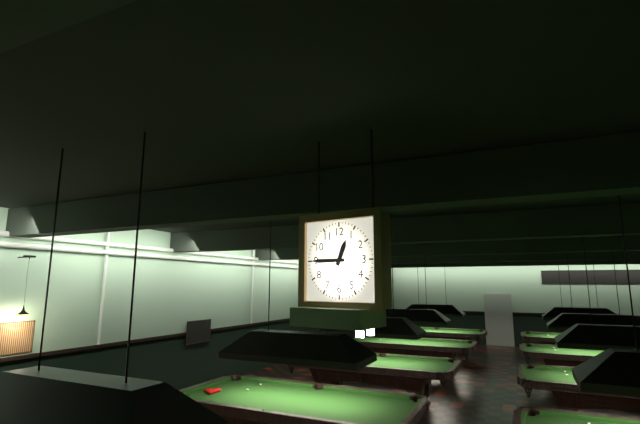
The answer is 12h45
